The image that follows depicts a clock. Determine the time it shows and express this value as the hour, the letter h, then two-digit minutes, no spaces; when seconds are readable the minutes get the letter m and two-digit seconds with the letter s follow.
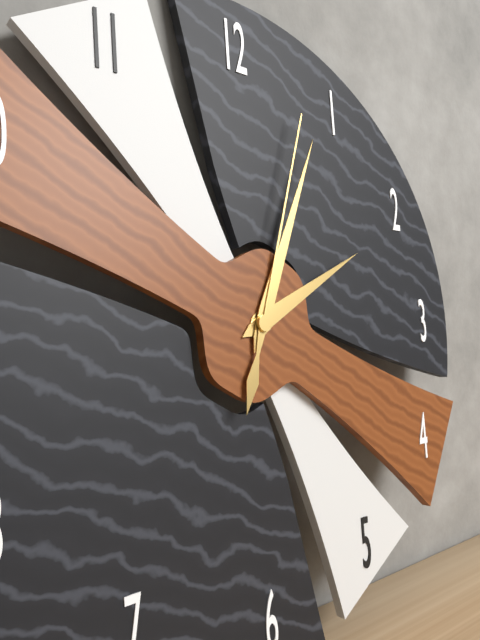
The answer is 2h04m03s
